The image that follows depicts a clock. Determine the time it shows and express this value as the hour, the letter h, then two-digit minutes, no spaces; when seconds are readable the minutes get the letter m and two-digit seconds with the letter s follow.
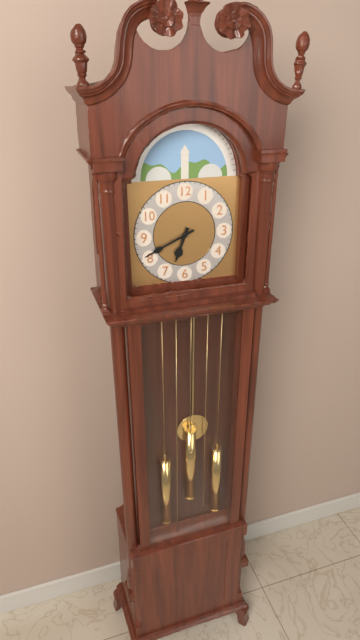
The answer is 6h41
